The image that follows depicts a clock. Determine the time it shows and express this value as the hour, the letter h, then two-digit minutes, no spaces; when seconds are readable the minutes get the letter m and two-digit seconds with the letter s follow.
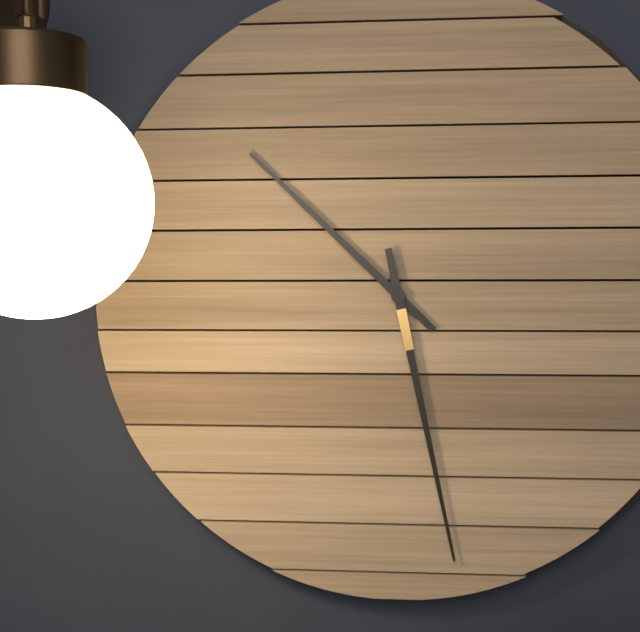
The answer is 10h28
